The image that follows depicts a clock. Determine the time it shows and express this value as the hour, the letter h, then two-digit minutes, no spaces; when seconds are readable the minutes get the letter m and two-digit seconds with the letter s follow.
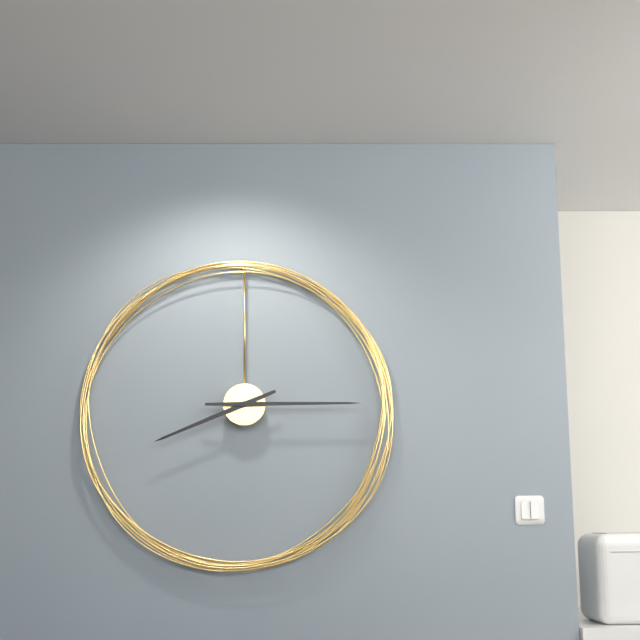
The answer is 8h15
